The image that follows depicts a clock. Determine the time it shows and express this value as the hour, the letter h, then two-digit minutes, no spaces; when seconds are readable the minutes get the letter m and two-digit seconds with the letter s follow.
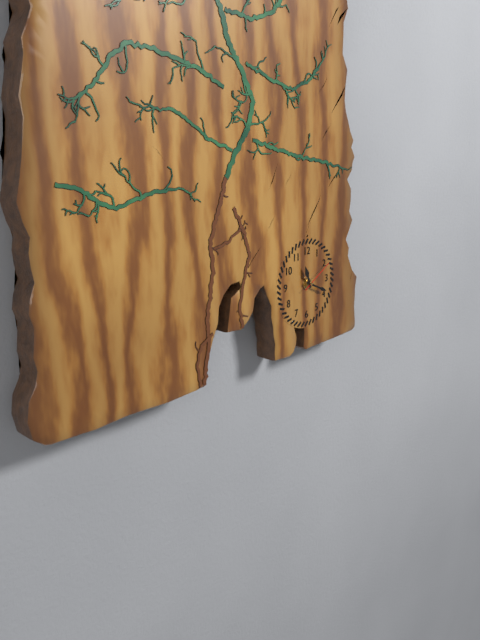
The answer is 11h19
